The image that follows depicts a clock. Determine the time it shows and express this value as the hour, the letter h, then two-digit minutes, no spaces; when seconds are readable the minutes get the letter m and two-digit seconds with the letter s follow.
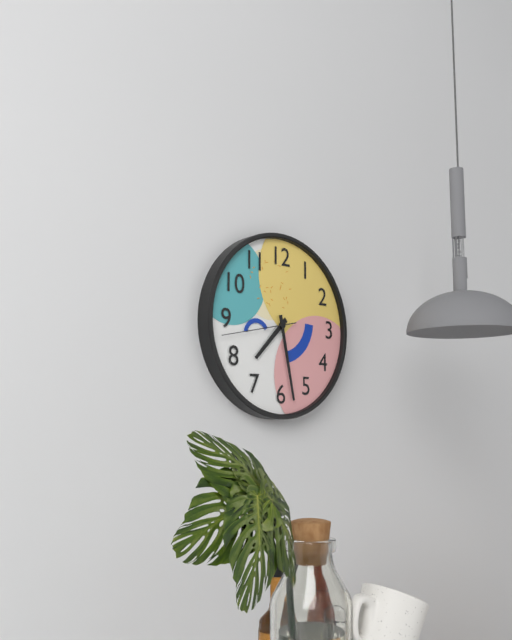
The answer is 7h28m43s
